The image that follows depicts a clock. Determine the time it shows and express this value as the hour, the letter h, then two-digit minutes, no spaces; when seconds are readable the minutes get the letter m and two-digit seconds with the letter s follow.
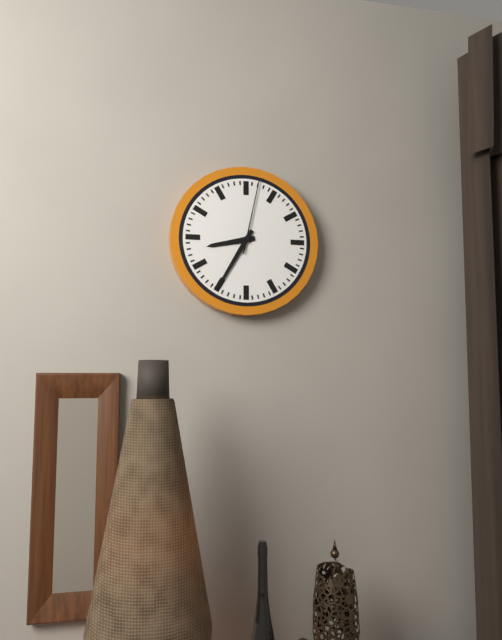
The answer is 8h35m02s
